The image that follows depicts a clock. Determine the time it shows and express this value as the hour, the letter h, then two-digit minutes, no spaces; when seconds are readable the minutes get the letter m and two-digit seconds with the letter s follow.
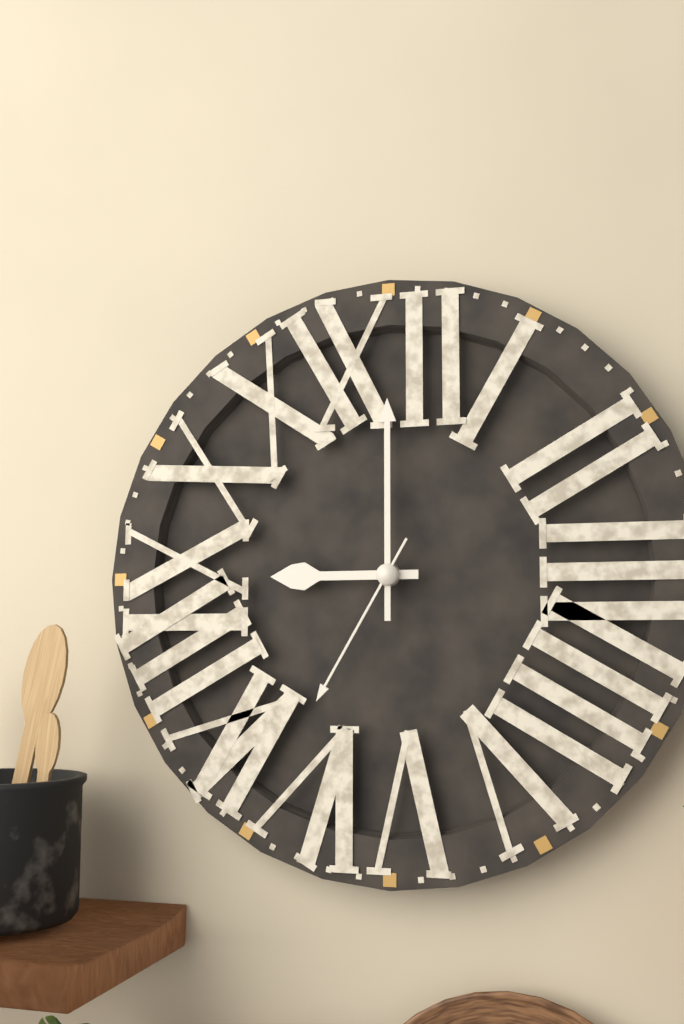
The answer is 9h00m35s
